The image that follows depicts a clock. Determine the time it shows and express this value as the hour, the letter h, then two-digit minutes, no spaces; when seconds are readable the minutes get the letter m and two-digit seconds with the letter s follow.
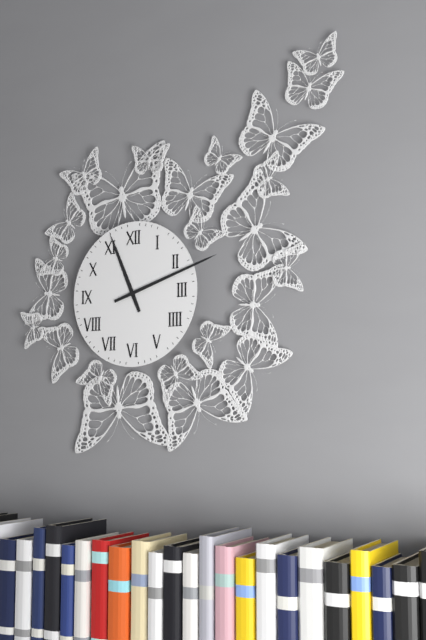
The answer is 11h12
